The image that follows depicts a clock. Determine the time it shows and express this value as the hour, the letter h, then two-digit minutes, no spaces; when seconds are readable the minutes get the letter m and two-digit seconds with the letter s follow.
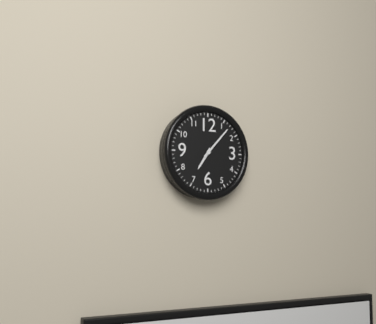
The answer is 7h07
